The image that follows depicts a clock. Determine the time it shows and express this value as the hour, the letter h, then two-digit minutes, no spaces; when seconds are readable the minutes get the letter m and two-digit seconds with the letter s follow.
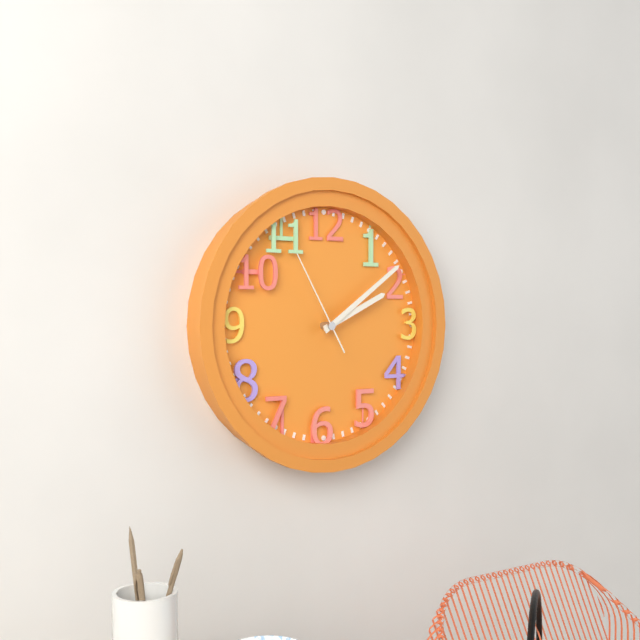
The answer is 2h09m55s
